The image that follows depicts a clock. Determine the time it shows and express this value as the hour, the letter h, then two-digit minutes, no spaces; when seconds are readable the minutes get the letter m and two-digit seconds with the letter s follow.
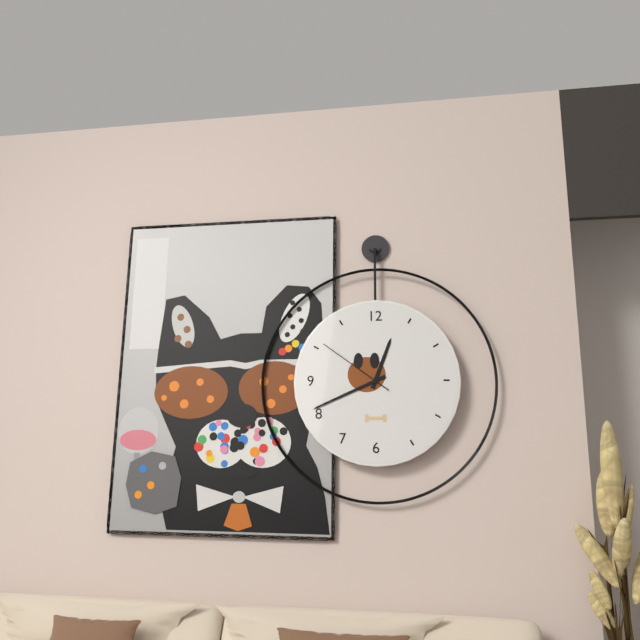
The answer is 12h41m51s
